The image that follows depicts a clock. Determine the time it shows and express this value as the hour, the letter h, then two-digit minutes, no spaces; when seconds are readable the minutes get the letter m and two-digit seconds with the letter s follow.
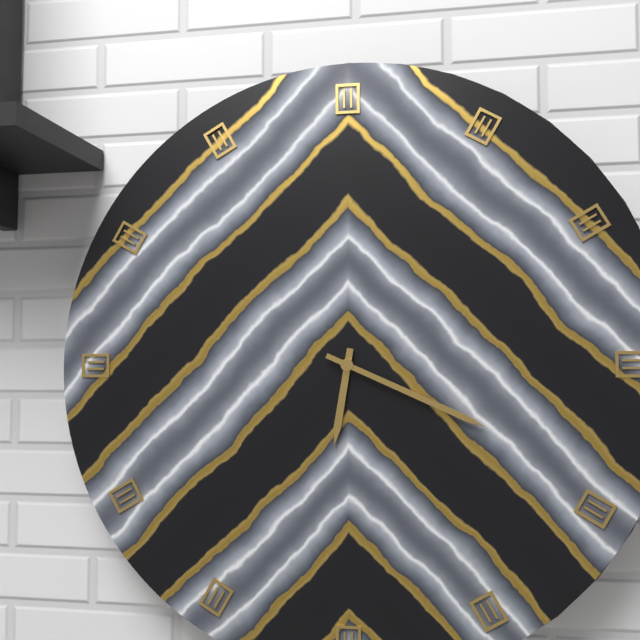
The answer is 6h19
